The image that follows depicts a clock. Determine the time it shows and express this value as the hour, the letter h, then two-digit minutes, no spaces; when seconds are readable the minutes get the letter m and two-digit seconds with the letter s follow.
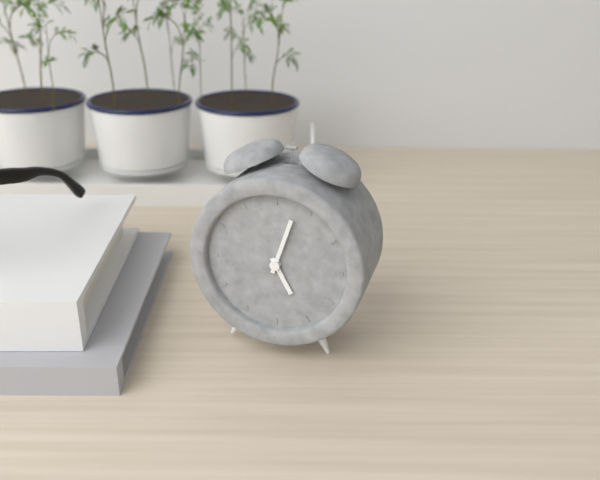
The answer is 5h03
